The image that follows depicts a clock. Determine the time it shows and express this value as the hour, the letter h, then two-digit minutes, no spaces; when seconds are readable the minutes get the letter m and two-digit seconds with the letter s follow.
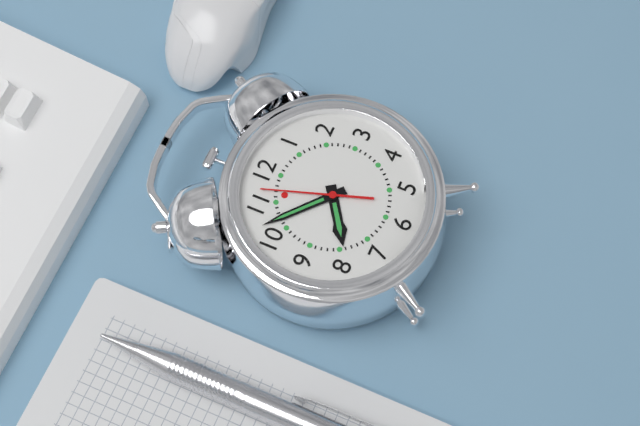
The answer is 7h52m57s
